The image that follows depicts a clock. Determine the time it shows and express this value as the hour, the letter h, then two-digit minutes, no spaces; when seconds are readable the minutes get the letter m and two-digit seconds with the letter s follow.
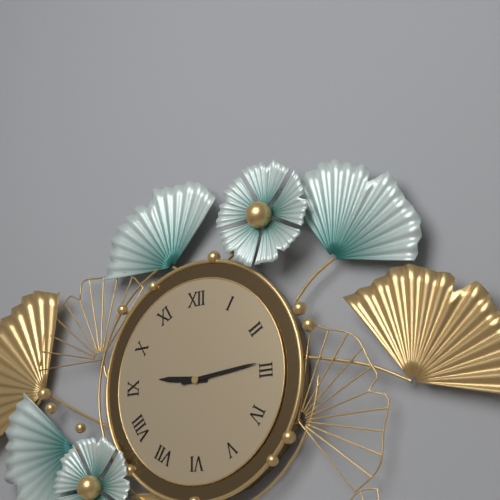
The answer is 9h14
